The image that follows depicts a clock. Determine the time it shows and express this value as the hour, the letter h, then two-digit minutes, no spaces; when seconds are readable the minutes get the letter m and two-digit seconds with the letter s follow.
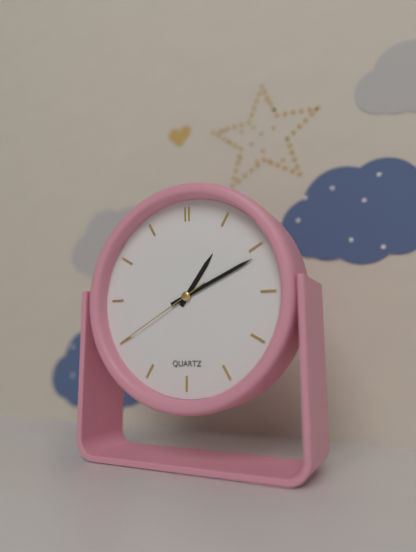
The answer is 1h11m40s
